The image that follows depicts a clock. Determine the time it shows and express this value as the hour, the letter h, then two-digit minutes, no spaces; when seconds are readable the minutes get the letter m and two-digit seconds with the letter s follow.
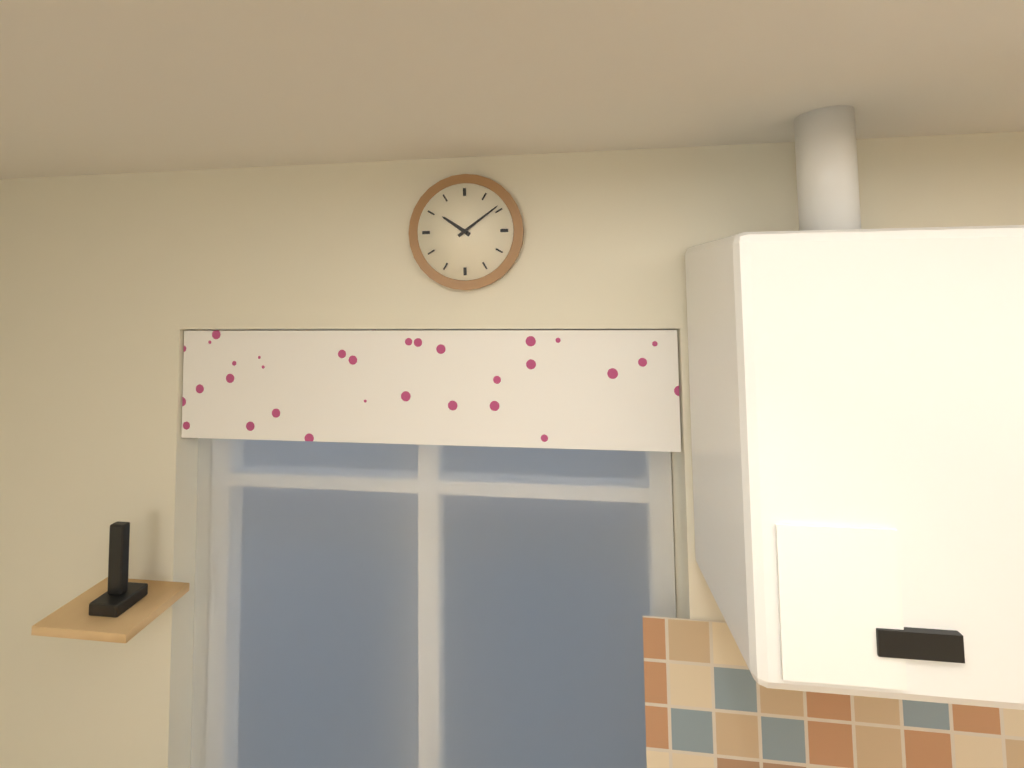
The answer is 10h09
